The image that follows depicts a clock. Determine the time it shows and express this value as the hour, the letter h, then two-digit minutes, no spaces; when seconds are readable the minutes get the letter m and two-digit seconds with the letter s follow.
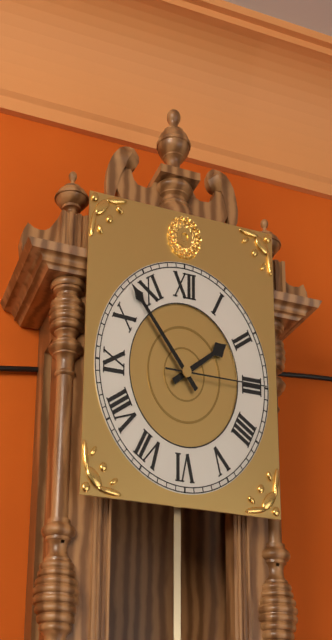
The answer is 1h53m15s
